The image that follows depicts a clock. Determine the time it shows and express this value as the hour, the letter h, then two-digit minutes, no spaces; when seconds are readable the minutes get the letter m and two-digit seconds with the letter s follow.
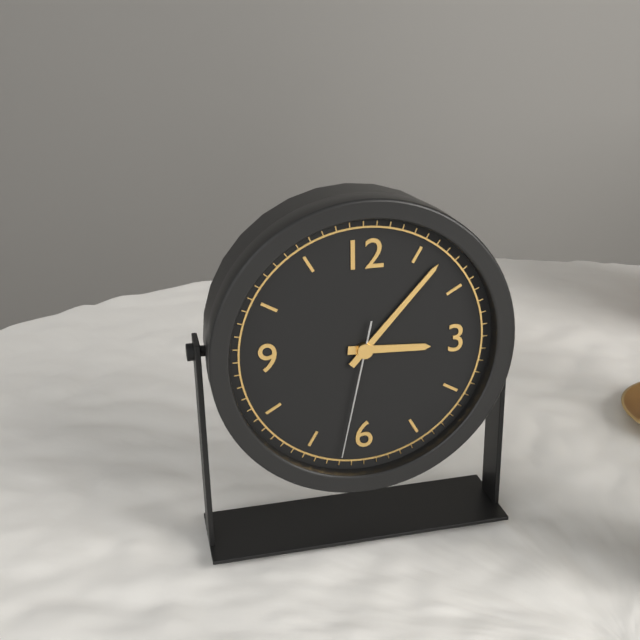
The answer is 3h07m32s
